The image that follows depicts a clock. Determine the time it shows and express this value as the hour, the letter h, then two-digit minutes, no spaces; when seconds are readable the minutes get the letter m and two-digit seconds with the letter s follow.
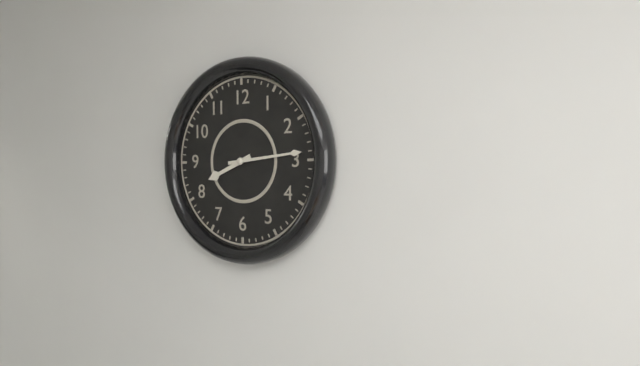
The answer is 8h14
